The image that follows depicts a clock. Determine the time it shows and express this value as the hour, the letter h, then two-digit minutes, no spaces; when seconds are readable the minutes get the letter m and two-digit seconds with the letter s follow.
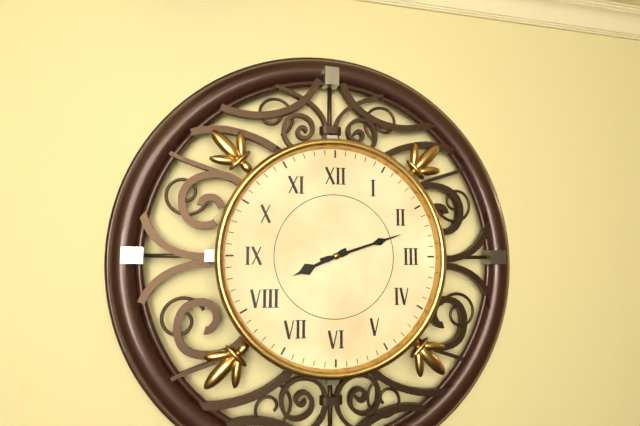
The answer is 8h12
